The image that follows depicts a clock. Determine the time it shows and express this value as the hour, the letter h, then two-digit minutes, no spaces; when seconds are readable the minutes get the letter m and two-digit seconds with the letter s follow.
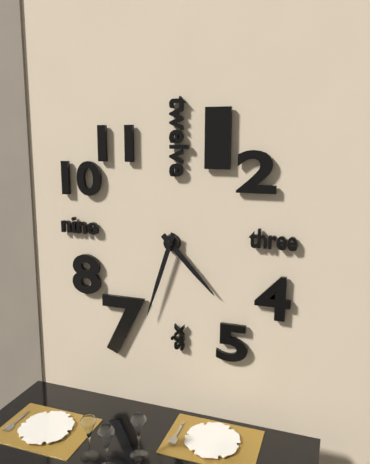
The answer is 4h33
